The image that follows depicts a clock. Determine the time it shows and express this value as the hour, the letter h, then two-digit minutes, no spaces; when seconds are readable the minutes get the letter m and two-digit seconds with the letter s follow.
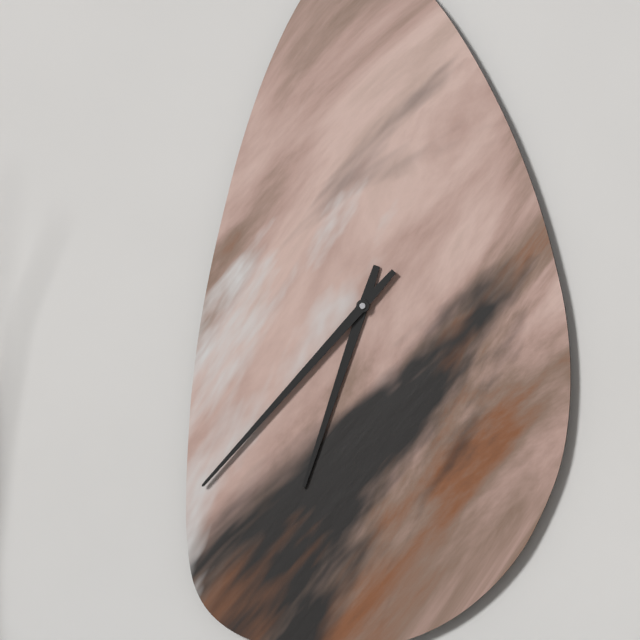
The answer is 6h37
